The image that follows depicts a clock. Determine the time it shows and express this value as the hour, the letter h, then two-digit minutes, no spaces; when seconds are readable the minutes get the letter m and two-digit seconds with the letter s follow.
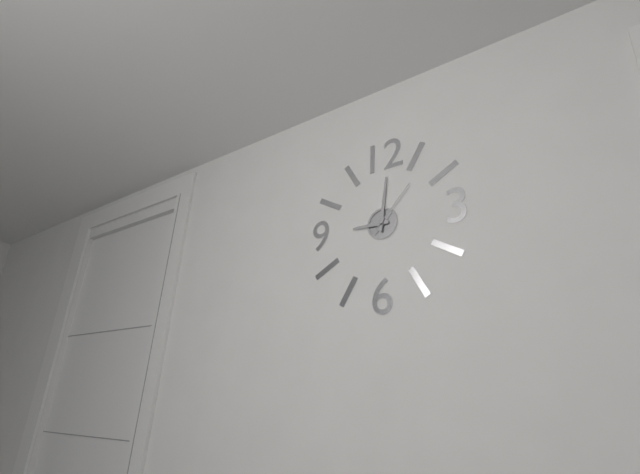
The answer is 9h01m07s
